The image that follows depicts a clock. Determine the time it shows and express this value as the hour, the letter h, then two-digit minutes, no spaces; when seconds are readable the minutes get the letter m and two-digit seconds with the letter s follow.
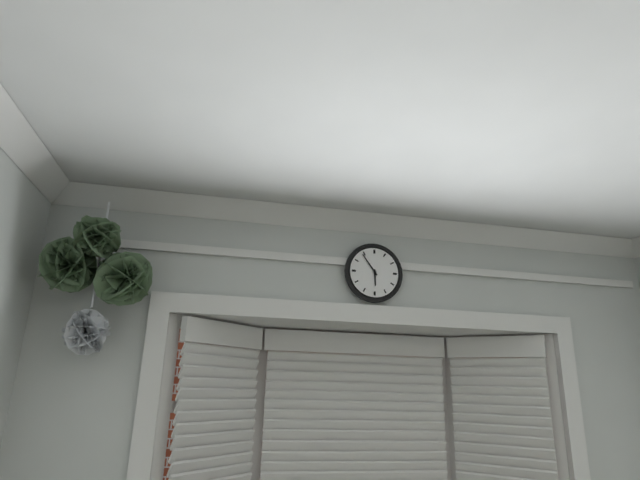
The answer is 5h54
